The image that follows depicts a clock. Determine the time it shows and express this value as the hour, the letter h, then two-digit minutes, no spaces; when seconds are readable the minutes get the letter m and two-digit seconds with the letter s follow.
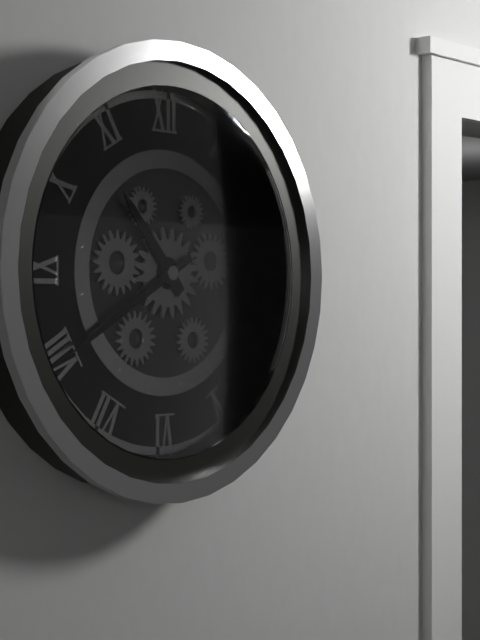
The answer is 10h40
